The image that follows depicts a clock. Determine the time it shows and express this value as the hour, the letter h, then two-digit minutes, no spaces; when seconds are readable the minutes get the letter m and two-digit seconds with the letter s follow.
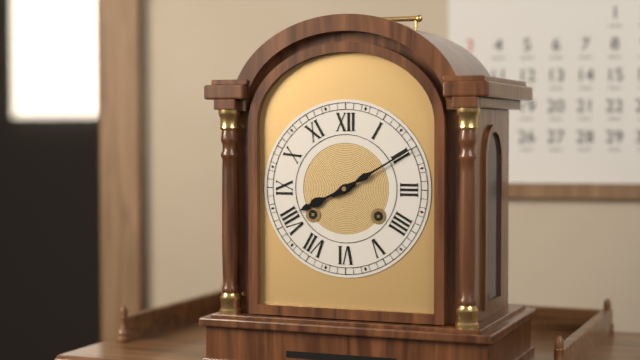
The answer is 8h10
